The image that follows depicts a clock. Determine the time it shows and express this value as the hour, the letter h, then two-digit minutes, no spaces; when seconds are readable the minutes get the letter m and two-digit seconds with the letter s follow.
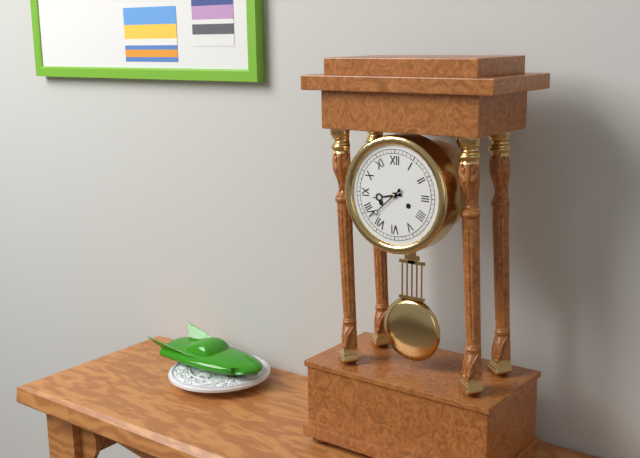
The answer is 8h38
